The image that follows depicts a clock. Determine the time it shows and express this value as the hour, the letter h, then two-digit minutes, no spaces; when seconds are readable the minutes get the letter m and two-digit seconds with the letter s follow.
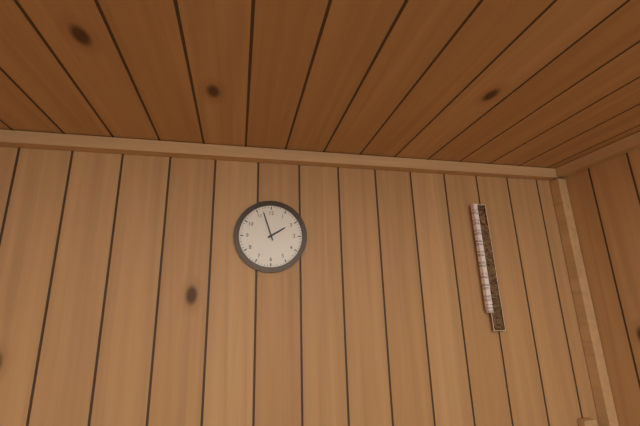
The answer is 1h57
